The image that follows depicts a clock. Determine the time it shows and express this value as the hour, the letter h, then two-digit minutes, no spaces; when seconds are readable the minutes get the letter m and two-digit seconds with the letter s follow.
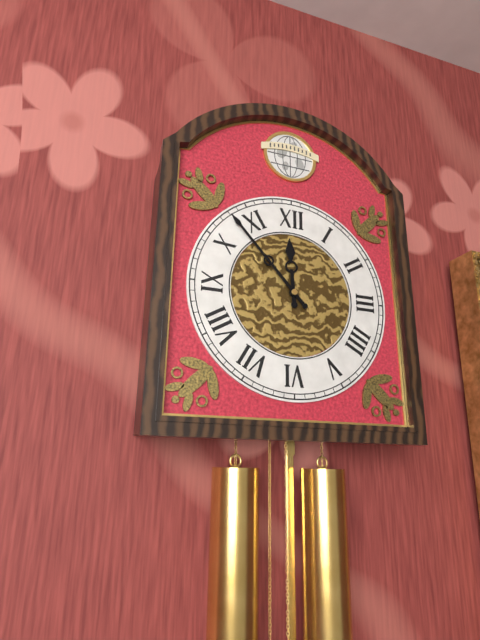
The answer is 11h53
